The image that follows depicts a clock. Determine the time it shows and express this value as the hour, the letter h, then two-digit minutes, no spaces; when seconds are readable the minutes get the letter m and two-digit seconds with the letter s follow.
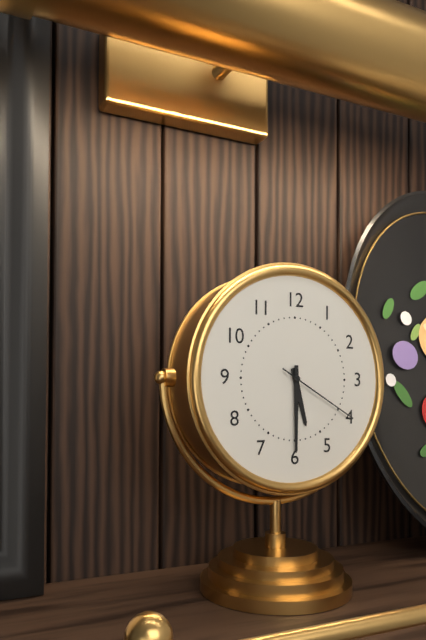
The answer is 5h30m20s
